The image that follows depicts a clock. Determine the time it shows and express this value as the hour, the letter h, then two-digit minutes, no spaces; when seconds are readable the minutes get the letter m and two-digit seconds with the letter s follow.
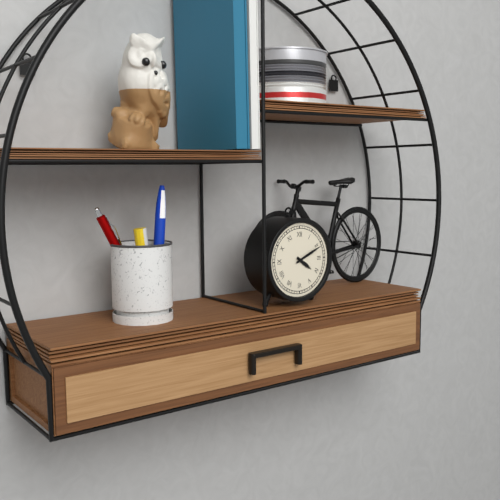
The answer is 4h11
